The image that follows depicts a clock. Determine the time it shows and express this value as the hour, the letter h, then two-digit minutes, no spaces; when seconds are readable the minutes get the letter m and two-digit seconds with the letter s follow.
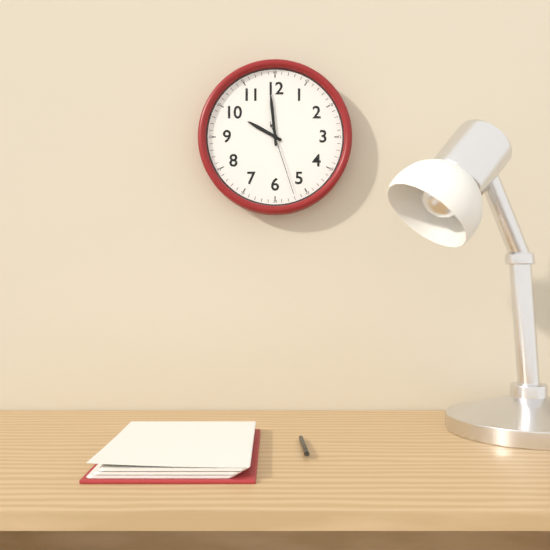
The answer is 9h59m27s
